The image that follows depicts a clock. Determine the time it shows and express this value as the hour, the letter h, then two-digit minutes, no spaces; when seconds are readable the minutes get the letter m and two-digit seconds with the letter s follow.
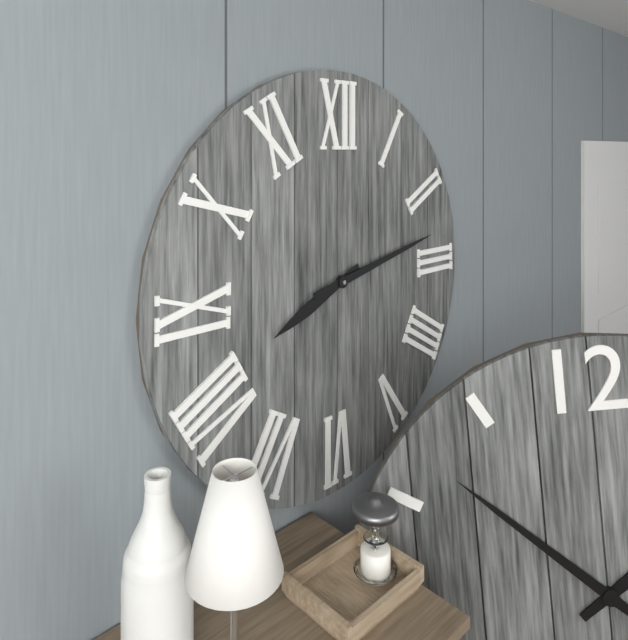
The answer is 8h13
